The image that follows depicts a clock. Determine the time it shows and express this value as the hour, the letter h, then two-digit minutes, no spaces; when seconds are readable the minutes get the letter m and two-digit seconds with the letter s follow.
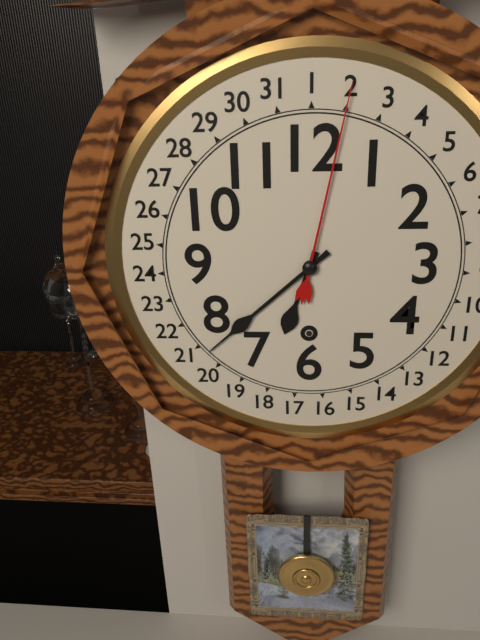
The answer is 6h38
